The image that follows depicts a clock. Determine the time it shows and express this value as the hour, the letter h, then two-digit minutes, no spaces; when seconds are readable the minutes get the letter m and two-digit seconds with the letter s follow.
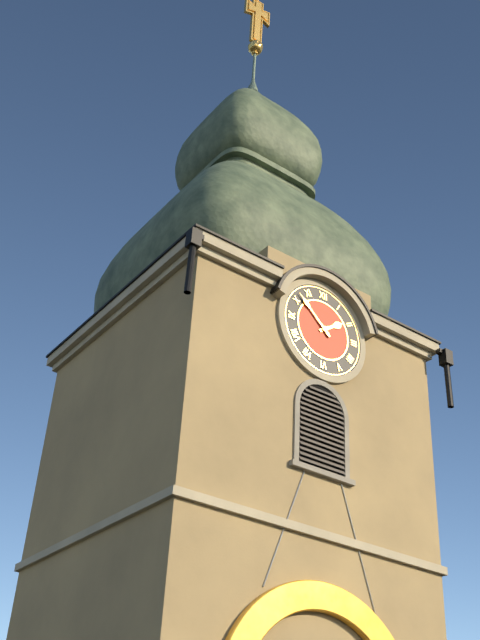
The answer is 1h52
